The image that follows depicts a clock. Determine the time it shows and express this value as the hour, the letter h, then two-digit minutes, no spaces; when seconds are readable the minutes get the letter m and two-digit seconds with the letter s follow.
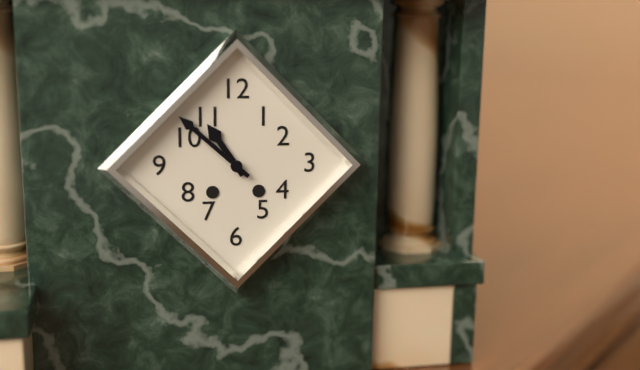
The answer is 10h52
